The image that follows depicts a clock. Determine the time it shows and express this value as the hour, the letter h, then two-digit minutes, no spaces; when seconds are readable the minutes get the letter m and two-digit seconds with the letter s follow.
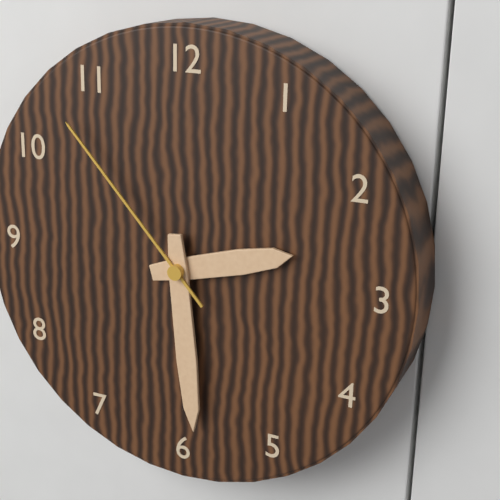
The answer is 2h29m53s
